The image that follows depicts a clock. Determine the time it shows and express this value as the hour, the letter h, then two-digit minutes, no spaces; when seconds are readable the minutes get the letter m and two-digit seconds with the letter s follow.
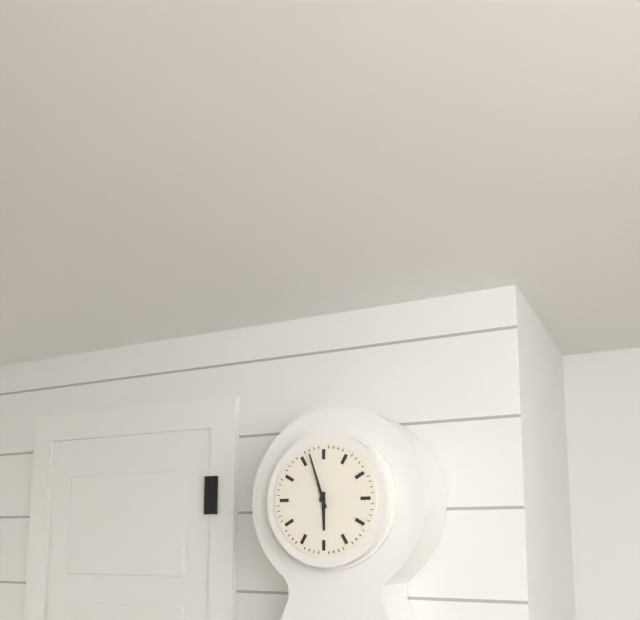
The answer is 5h57
